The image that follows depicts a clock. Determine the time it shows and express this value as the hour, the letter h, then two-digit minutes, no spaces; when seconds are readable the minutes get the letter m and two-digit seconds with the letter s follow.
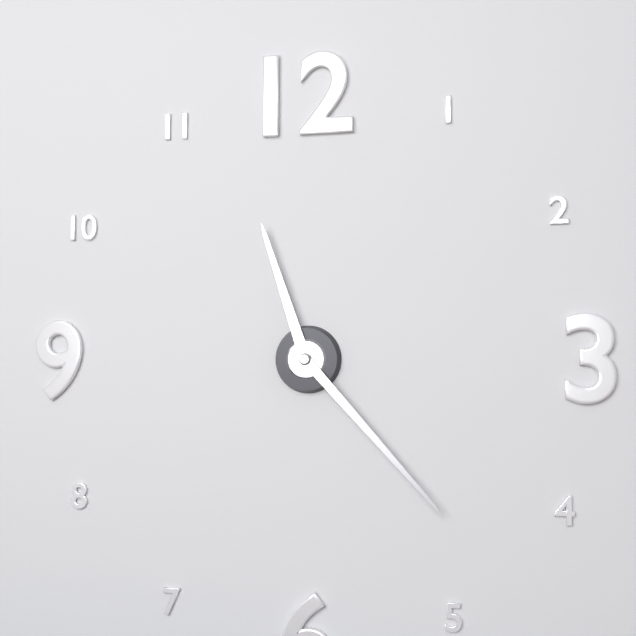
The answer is 11h23
